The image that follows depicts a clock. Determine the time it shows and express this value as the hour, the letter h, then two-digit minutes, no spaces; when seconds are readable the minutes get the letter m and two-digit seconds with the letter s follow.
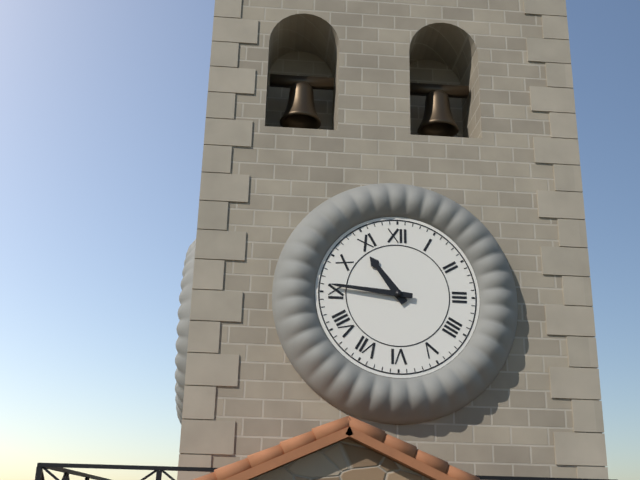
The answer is 10h46
